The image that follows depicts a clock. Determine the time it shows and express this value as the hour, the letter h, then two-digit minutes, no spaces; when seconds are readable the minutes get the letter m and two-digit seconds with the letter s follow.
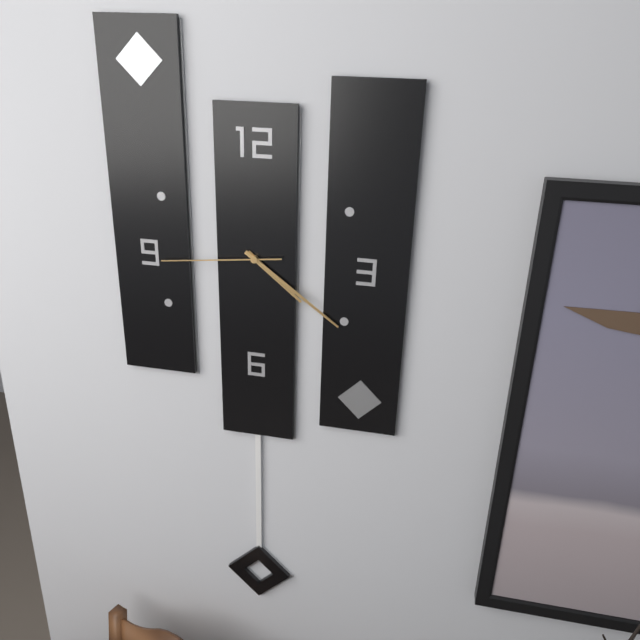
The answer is 4h21m44s
